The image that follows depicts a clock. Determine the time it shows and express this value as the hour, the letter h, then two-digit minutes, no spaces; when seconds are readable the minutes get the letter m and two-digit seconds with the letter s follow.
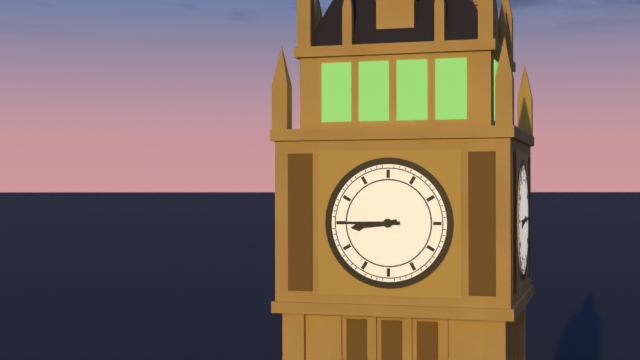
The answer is 8h45
